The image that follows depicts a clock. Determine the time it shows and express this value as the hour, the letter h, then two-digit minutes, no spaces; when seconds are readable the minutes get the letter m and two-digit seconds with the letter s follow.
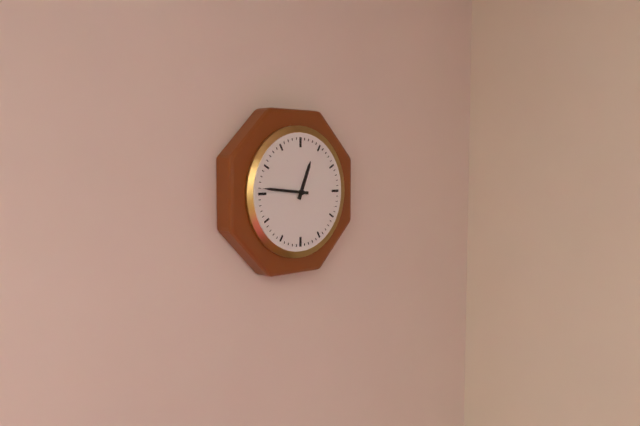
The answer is 12h46
